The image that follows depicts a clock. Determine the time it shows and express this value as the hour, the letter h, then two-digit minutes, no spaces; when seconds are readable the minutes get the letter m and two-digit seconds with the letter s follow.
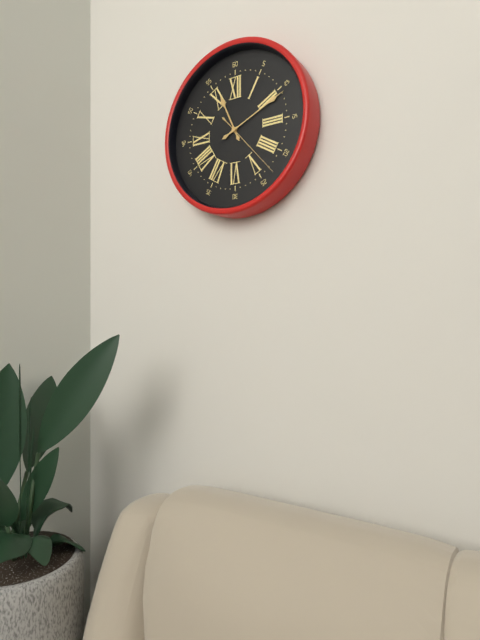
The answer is 11h11m23s
